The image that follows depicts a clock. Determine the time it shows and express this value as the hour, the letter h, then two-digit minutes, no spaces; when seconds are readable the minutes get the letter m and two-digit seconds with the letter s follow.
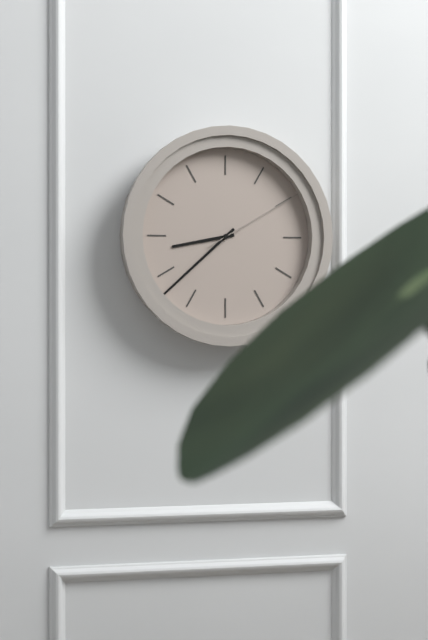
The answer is 8h38m10s
